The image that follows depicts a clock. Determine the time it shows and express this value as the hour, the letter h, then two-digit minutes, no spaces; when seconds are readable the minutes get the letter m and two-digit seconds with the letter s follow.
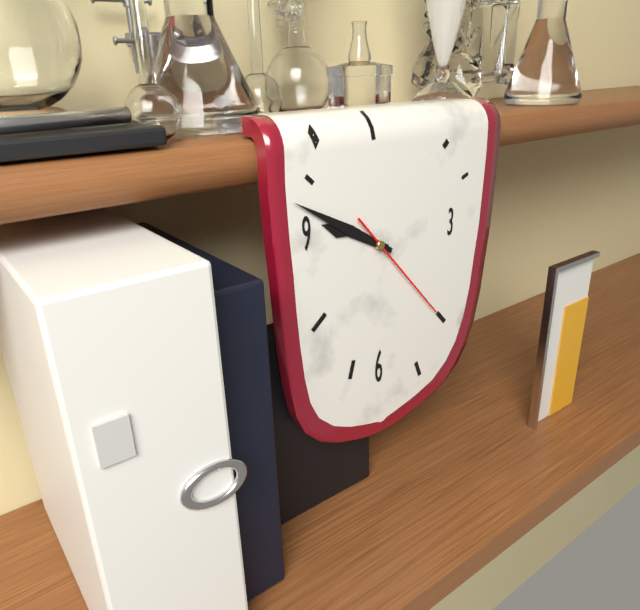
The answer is 9h50m23s
